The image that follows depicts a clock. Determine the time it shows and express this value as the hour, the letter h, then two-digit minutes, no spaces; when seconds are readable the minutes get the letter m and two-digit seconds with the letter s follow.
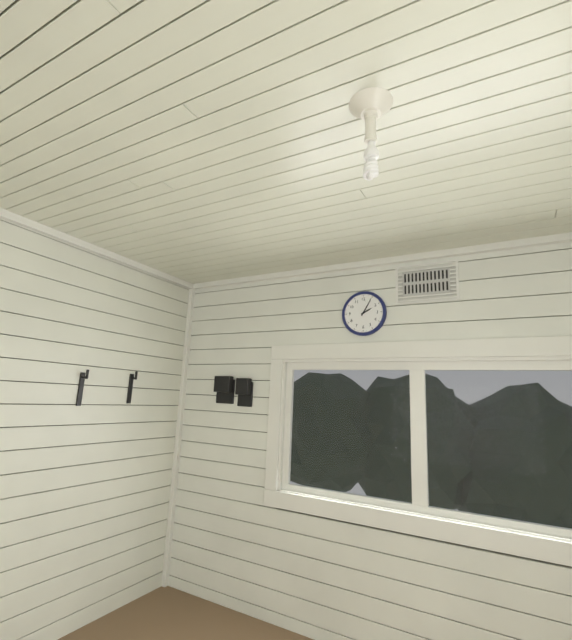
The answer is 2h05
